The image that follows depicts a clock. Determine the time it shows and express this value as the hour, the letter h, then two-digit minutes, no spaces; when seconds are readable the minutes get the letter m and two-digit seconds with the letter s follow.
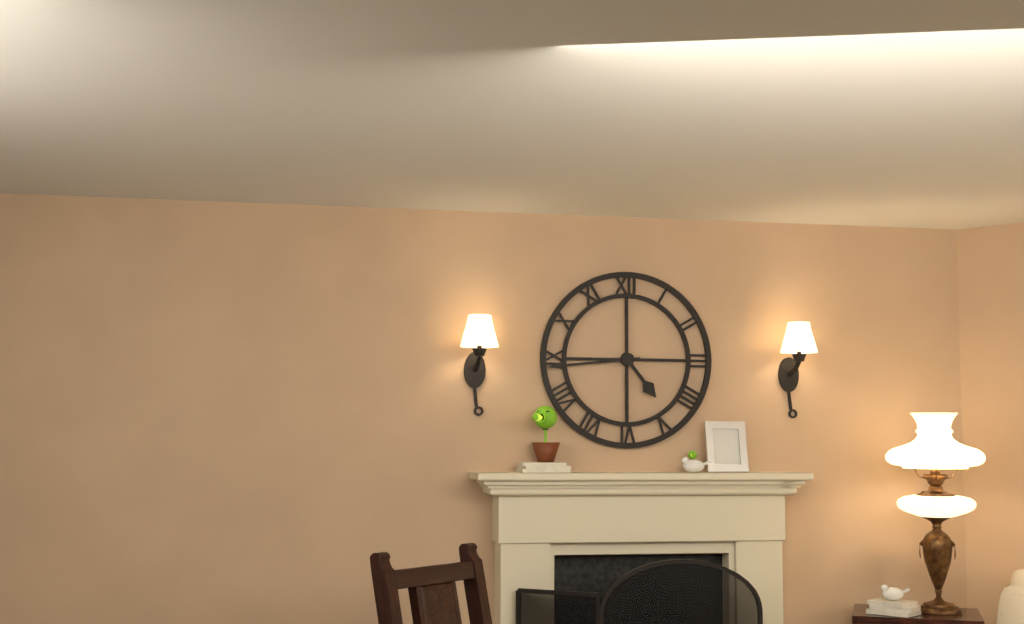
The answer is 4h44
